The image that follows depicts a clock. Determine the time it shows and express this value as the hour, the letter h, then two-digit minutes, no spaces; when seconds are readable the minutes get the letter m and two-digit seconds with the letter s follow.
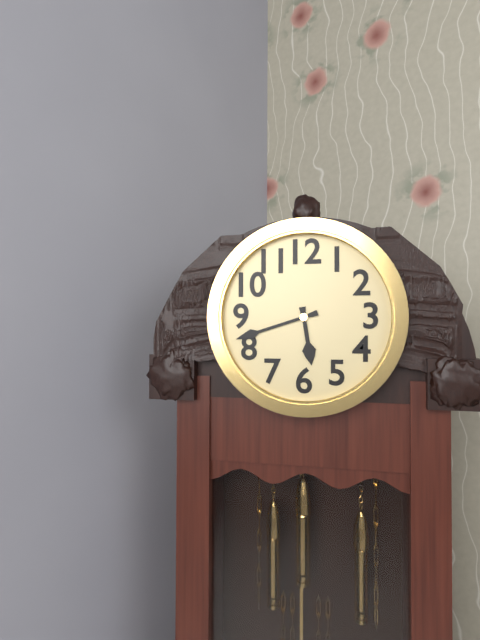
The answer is 5h42
